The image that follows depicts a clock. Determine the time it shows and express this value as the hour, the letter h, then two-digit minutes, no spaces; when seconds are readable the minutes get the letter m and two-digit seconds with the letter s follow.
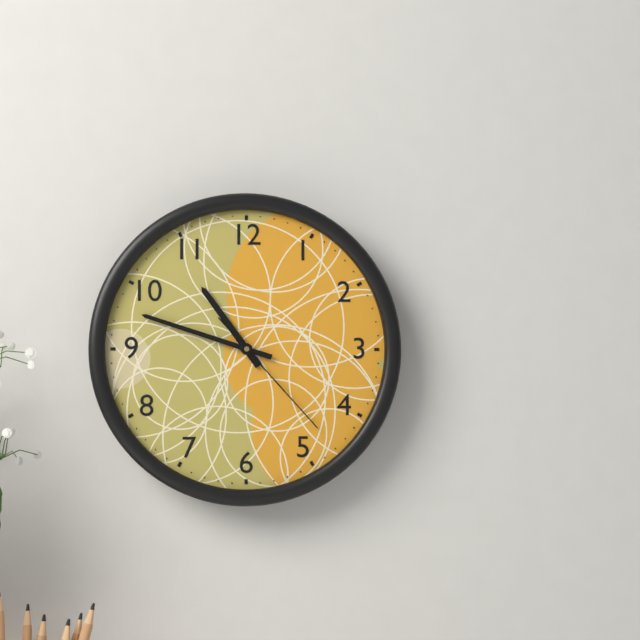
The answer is 10h48m23s
